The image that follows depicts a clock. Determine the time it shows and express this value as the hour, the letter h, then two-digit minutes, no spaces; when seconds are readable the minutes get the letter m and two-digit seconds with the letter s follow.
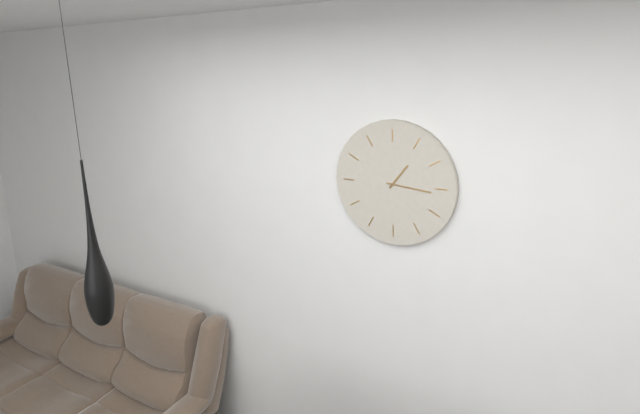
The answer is 1h16
